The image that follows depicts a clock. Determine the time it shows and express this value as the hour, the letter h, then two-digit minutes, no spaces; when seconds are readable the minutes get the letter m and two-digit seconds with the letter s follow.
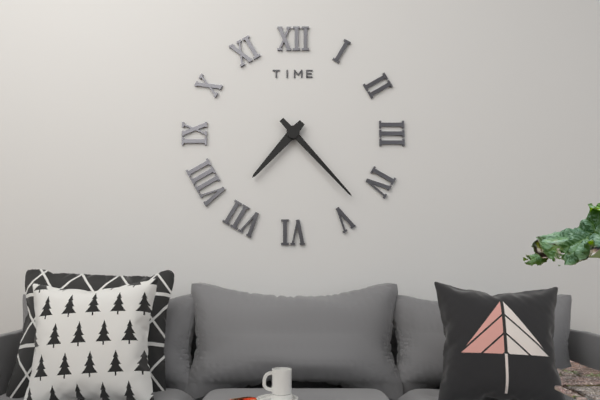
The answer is 7h23
